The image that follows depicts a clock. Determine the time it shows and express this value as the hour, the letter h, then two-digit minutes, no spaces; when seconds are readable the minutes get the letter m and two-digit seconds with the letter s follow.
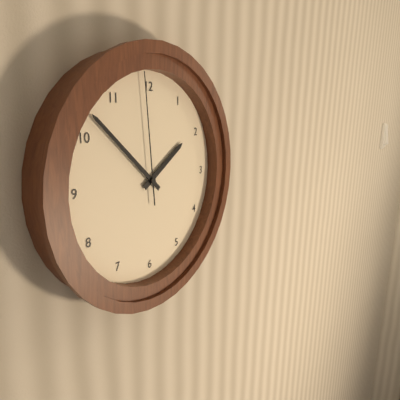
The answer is 1h52m59s
